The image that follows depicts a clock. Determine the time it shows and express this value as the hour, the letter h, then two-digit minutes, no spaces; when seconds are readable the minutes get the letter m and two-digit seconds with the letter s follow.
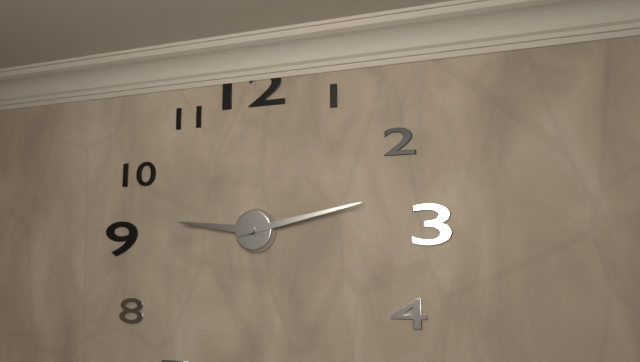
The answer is 9h13
